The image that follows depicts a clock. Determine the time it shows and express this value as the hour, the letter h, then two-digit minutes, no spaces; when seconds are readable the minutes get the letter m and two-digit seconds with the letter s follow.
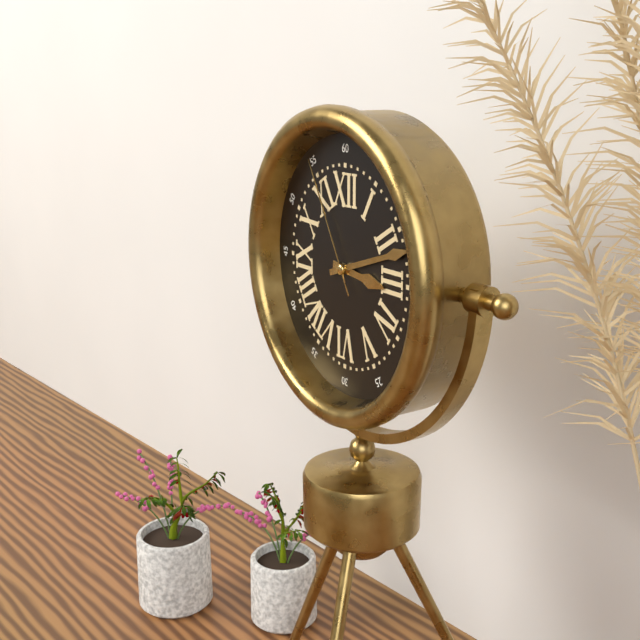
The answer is 3h12m55s
